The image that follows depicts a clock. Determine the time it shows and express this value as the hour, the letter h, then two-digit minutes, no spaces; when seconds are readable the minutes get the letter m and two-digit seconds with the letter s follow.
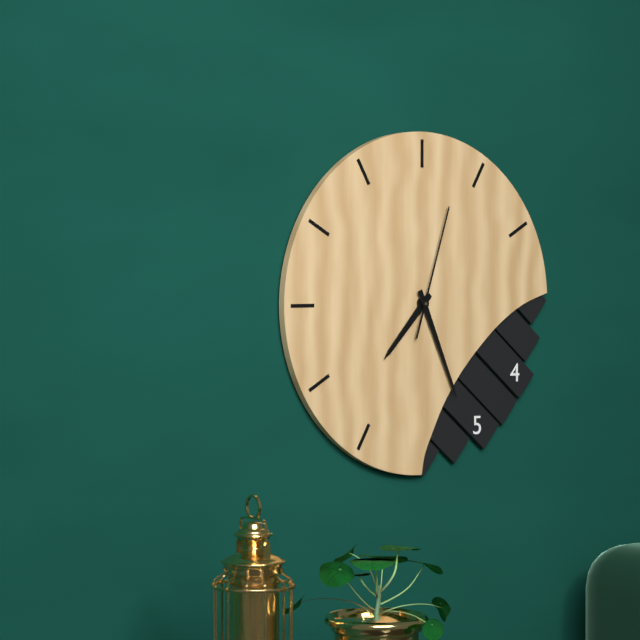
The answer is 7h26m03s
